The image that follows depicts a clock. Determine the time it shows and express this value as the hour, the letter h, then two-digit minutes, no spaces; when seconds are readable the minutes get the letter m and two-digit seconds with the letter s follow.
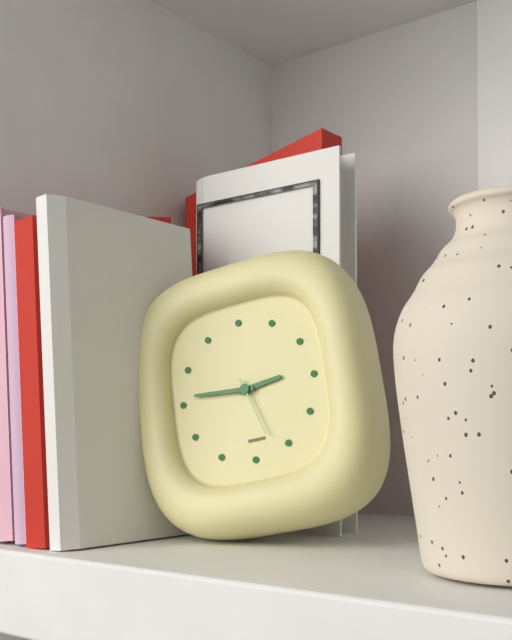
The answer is 2h46m27s
